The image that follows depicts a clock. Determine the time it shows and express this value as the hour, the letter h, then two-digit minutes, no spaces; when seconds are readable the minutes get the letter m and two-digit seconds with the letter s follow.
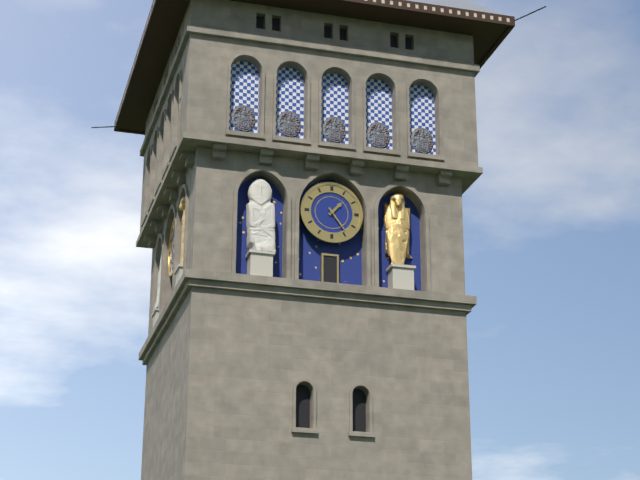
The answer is 1h24
